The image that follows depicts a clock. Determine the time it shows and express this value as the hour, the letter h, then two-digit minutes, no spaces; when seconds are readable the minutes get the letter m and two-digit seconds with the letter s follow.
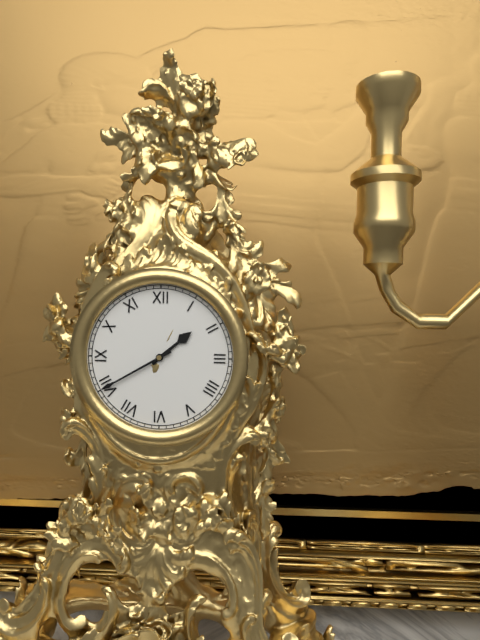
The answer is 1h40
